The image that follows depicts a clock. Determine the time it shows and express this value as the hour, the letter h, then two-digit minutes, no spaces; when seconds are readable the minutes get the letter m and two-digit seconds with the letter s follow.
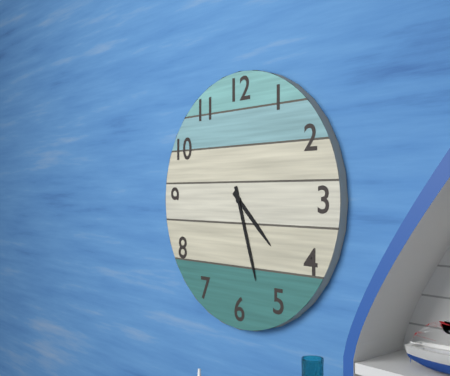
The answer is 4h27
